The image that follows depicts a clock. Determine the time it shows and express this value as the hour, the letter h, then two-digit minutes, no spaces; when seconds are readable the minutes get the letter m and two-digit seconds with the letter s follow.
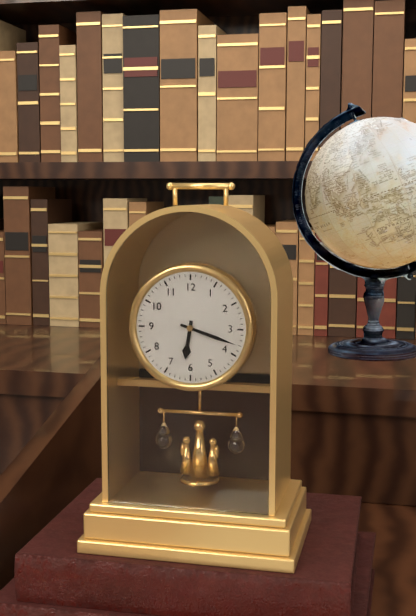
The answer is 6h18
